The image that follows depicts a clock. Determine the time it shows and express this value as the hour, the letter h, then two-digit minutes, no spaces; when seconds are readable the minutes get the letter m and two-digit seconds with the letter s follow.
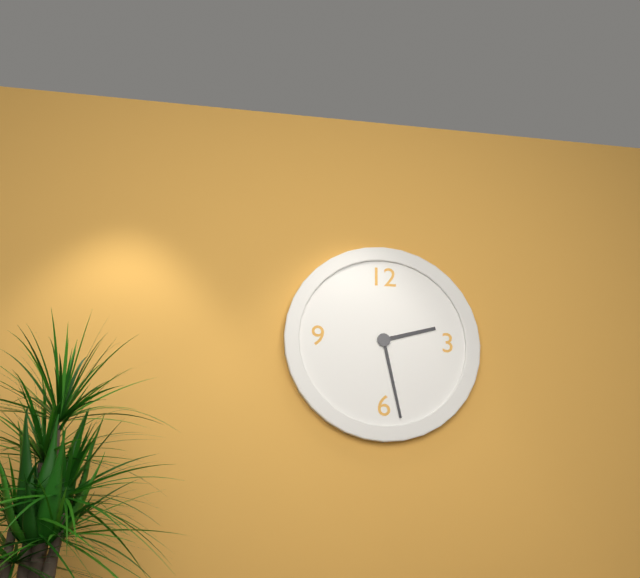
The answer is 2h28
